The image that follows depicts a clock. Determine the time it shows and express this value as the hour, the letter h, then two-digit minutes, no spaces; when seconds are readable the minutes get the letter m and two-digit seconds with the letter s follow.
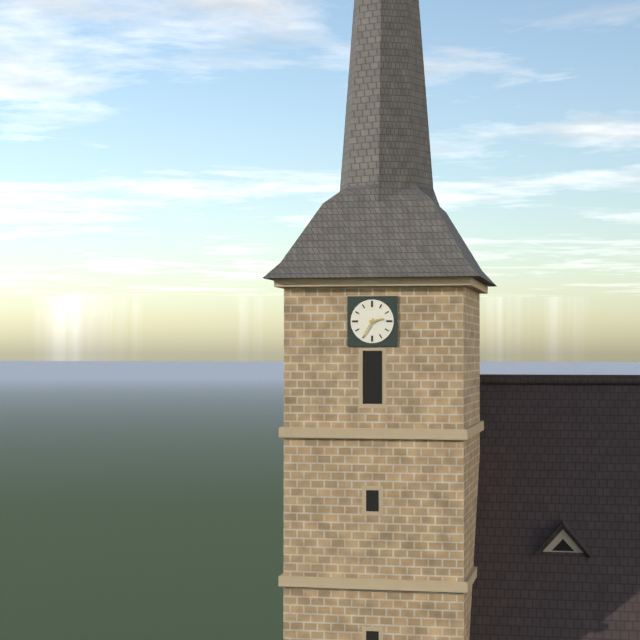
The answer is 2h35
